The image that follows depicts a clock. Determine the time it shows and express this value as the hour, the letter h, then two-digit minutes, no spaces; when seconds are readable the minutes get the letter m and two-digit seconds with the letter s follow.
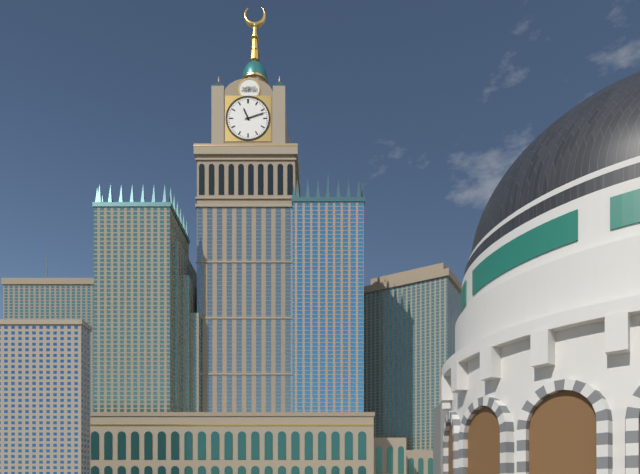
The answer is 11h12
